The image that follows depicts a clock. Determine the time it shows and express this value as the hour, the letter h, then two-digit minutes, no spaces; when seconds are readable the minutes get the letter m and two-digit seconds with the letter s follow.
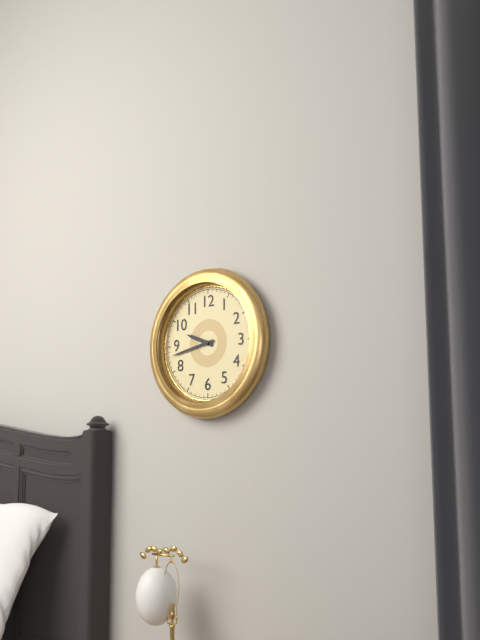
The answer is 9h43
